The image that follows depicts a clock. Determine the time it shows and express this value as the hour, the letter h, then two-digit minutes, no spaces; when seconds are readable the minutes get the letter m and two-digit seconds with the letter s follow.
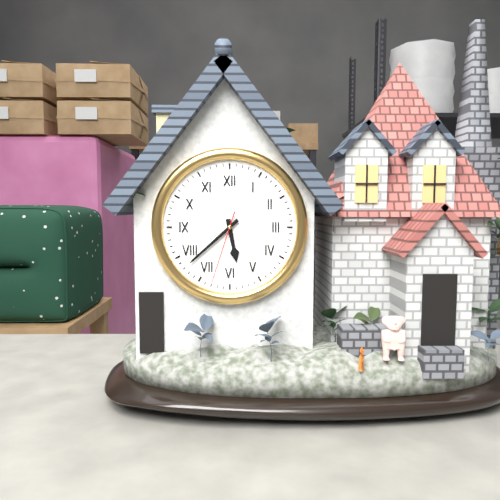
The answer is 5h38m33s
